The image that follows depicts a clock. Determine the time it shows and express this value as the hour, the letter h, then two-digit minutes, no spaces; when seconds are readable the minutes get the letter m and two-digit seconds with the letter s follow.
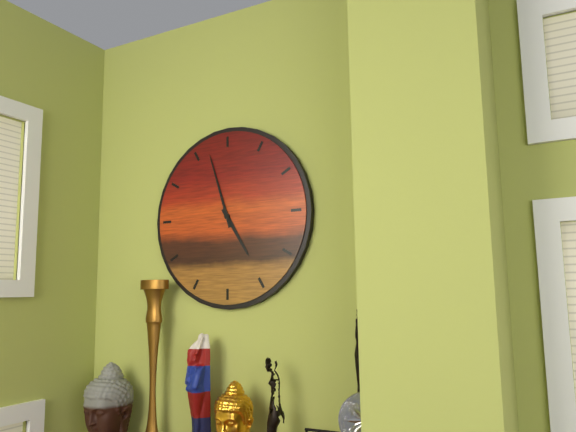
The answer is 4h57
